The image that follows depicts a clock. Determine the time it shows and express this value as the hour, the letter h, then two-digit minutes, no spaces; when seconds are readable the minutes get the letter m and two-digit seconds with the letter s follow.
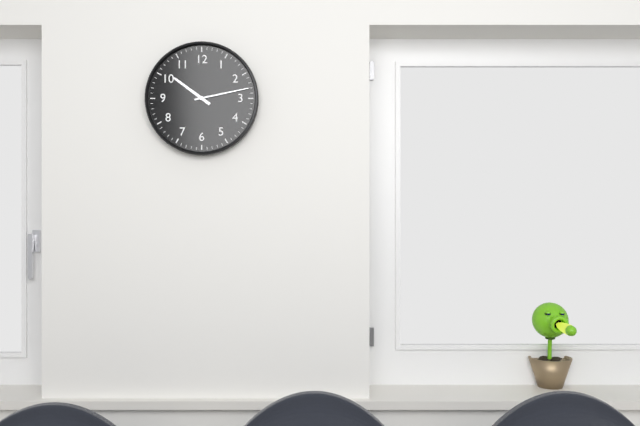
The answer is 10h13
